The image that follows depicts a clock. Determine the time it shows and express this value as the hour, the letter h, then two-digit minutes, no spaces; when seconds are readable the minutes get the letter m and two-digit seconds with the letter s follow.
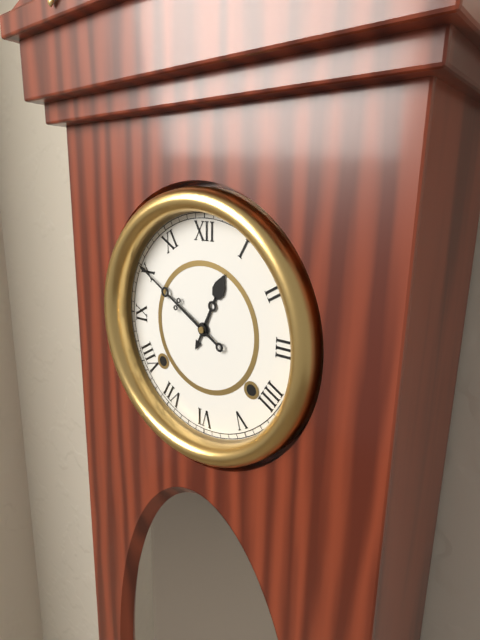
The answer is 12h50
